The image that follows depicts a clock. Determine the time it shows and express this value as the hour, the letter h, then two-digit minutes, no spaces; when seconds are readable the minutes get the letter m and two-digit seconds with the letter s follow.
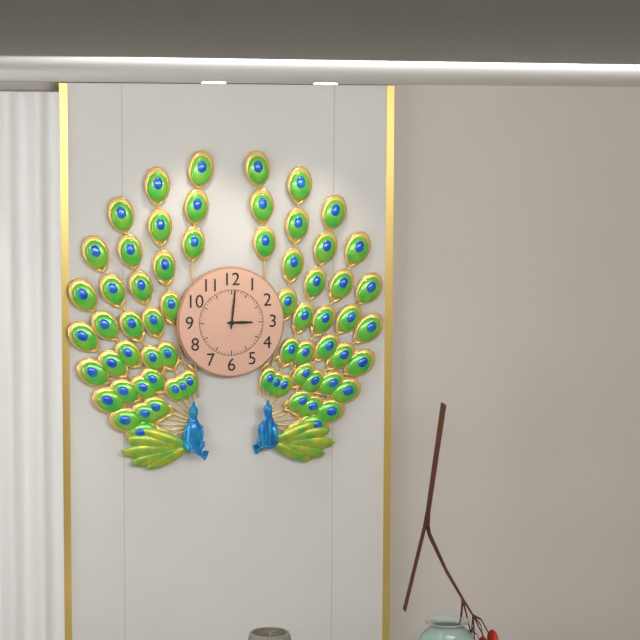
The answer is 3h01
